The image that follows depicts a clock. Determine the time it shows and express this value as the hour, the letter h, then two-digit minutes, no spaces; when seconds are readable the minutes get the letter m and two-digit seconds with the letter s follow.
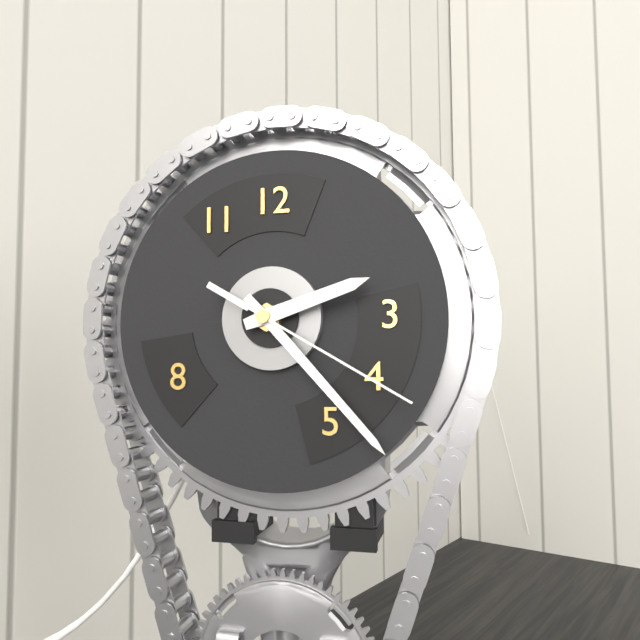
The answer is 2h23m20s
